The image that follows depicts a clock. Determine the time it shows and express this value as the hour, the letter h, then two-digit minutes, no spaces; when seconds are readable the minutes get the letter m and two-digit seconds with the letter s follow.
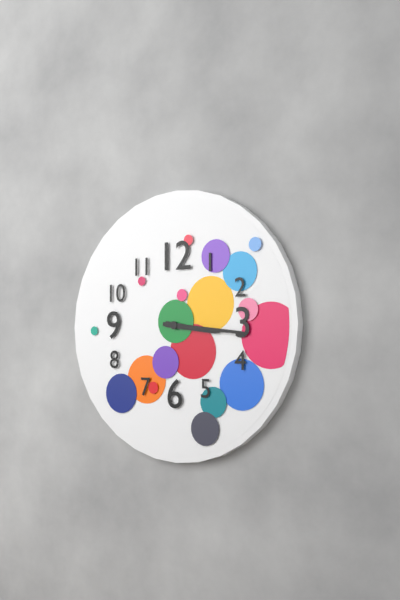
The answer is 3h16
